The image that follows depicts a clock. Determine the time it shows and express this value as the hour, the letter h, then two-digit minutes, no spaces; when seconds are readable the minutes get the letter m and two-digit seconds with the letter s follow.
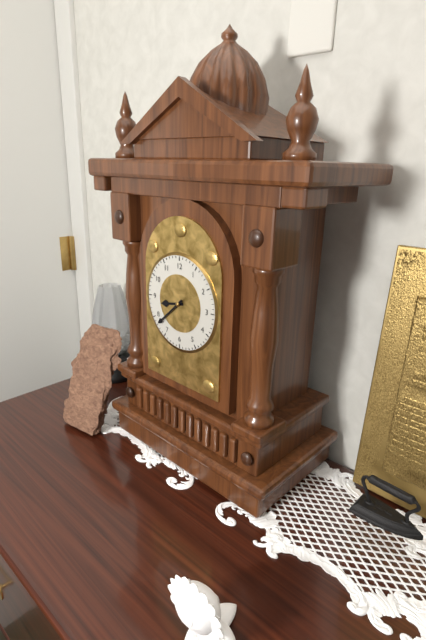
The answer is 8h38
